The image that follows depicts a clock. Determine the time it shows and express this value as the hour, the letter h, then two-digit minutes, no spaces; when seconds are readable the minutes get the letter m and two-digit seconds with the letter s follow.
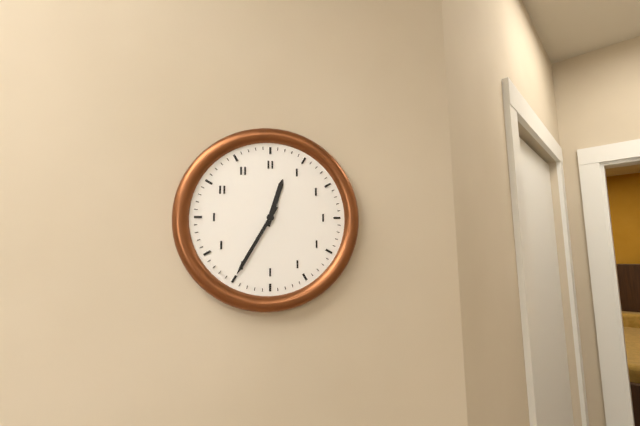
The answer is 12h35
